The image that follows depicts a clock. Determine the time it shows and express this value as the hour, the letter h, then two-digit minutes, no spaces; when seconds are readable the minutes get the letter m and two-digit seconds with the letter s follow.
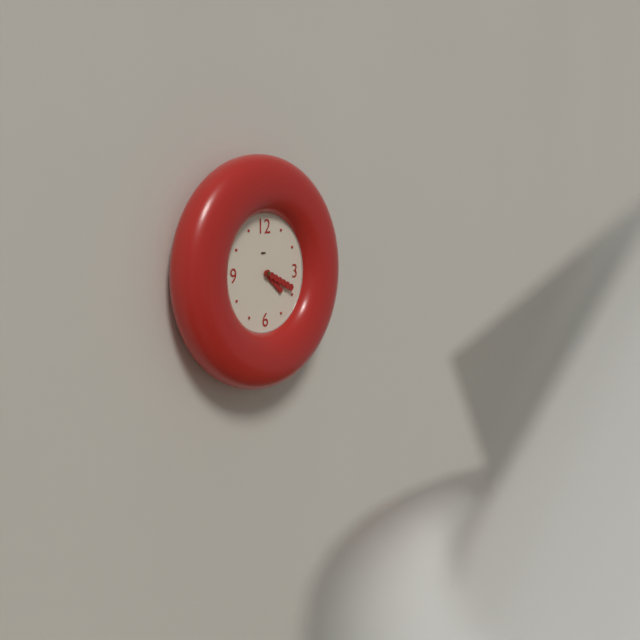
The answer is 4h19
